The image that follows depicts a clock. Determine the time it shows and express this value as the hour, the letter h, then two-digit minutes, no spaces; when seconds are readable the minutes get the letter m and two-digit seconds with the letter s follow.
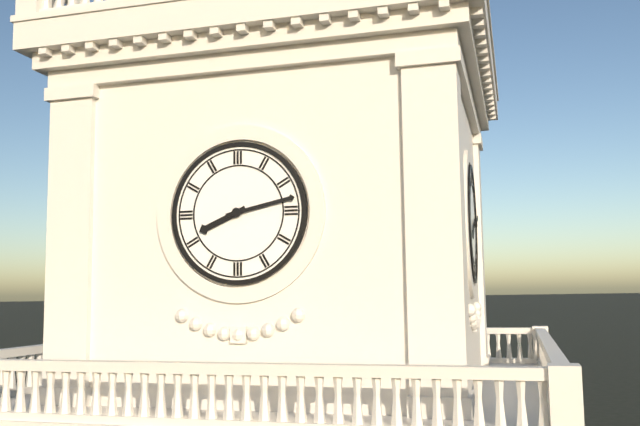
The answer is 8h13
